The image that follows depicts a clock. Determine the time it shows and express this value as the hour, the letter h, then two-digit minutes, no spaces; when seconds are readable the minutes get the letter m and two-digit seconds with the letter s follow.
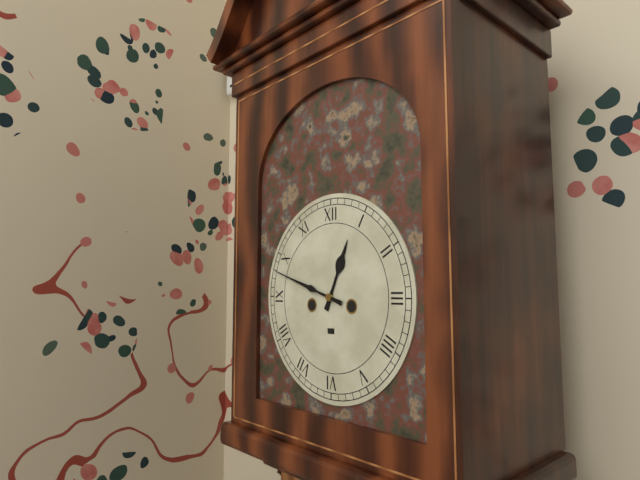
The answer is 12h48
